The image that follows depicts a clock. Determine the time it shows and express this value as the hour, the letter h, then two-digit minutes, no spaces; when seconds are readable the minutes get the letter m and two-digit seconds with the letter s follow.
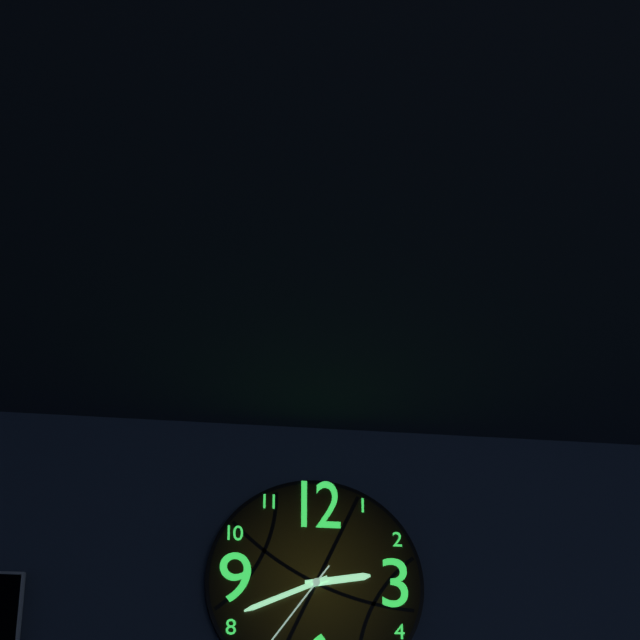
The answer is 2h41
